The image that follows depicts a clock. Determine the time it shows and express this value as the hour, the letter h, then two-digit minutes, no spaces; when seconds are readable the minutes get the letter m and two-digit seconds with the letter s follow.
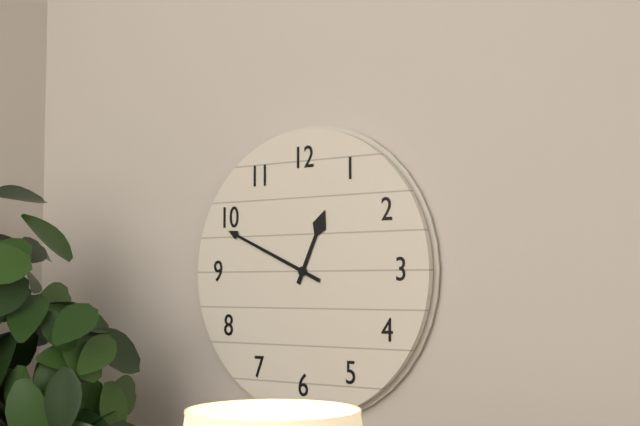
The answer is 12h49
